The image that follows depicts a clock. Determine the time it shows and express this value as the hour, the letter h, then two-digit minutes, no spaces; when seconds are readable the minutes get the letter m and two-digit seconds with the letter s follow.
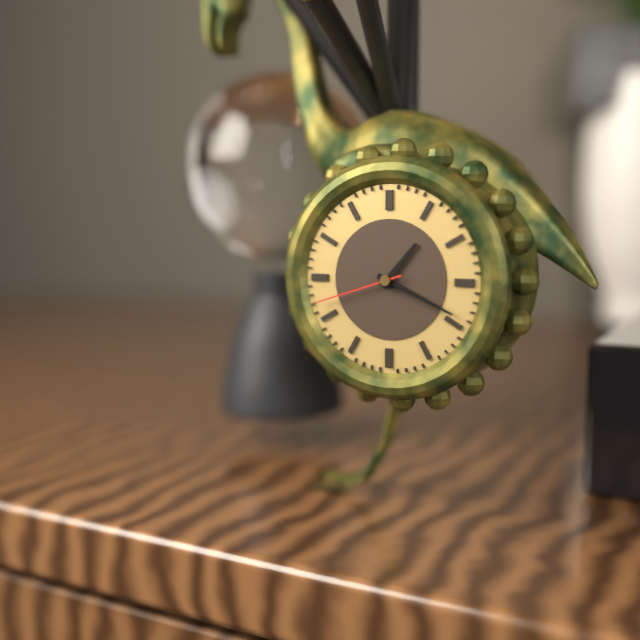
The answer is 1h19m42s
